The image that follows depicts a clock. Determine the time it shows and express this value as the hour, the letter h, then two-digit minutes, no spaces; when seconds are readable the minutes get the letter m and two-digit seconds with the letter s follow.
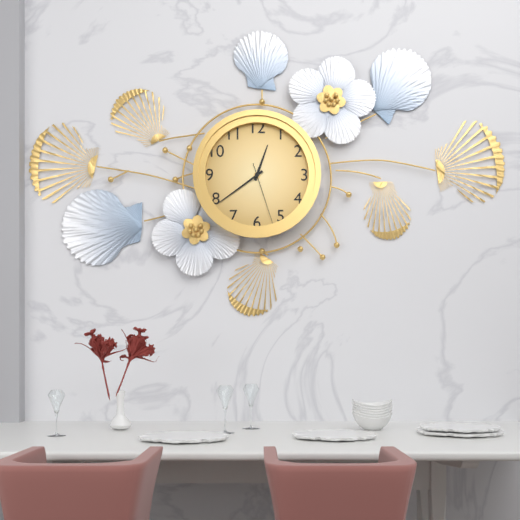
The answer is 12h39m27s
